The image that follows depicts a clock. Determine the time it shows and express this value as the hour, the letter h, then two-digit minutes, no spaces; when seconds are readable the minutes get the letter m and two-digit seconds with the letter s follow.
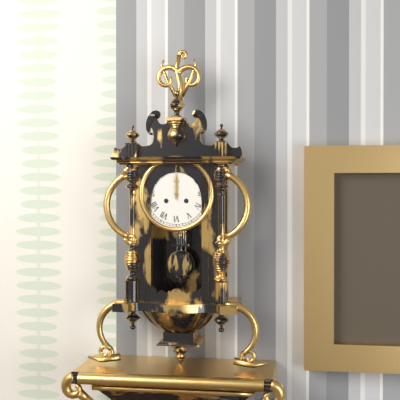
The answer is 12h00
